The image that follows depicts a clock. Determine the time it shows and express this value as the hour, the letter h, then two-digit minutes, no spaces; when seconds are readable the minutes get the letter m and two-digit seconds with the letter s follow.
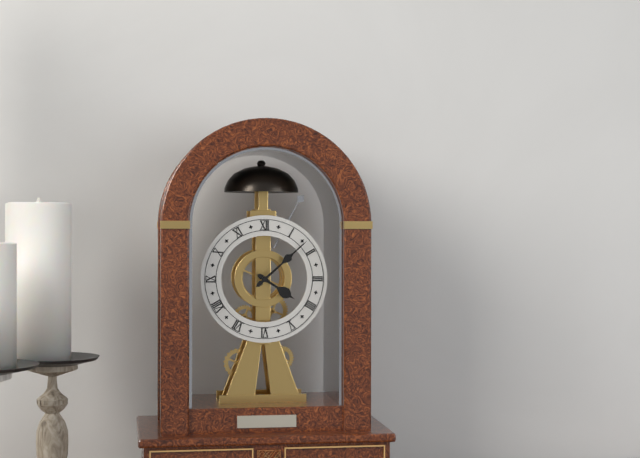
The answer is 4h08
